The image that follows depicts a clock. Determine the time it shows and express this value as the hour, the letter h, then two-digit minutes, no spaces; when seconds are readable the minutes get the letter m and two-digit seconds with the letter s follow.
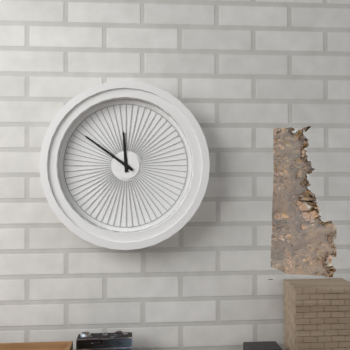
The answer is 11h51
